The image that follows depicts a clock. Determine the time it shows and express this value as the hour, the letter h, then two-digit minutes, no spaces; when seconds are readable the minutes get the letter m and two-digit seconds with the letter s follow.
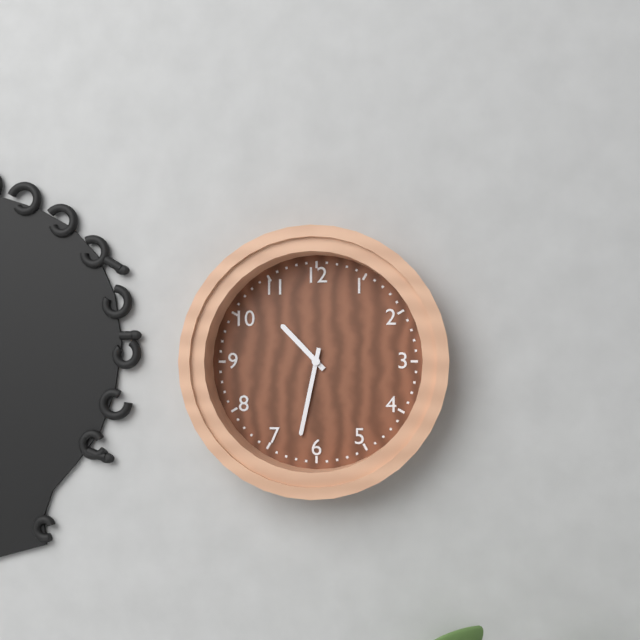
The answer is 10h32
